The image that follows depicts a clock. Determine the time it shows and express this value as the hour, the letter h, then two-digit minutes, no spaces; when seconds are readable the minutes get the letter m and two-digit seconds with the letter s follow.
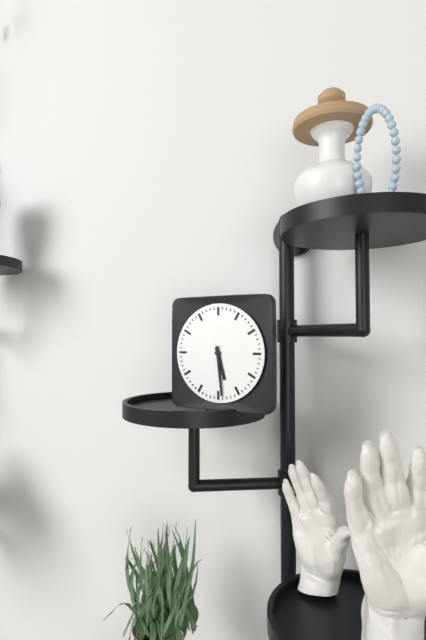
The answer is 5h29
